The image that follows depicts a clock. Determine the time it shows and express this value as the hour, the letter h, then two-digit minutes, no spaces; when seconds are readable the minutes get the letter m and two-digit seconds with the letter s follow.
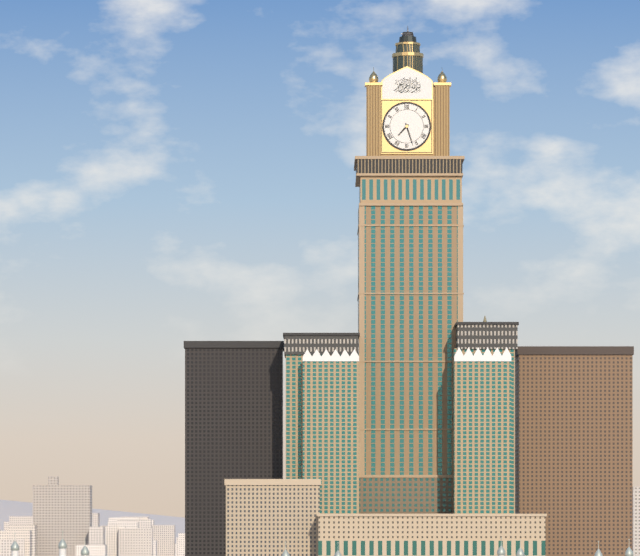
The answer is 7h27
